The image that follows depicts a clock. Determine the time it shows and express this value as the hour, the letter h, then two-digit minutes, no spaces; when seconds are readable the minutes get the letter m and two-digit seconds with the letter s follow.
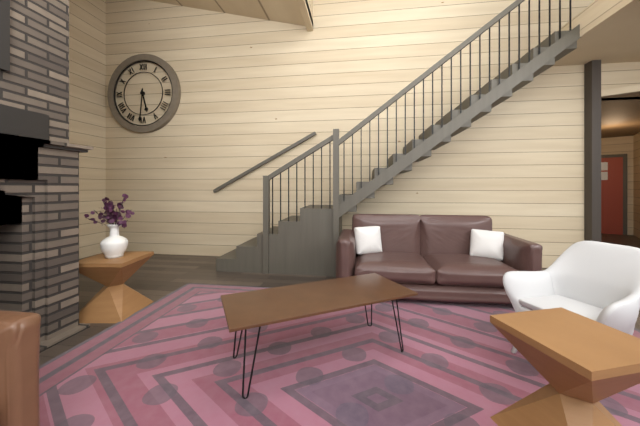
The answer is 5h31
